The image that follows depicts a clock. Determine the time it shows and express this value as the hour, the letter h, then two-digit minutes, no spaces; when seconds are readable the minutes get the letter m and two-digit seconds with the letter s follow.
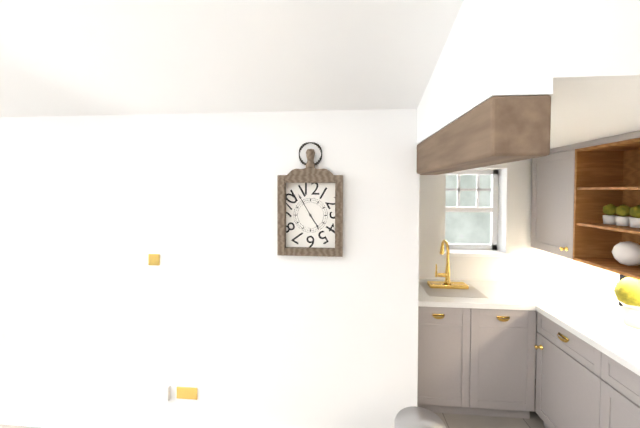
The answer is 4h55
